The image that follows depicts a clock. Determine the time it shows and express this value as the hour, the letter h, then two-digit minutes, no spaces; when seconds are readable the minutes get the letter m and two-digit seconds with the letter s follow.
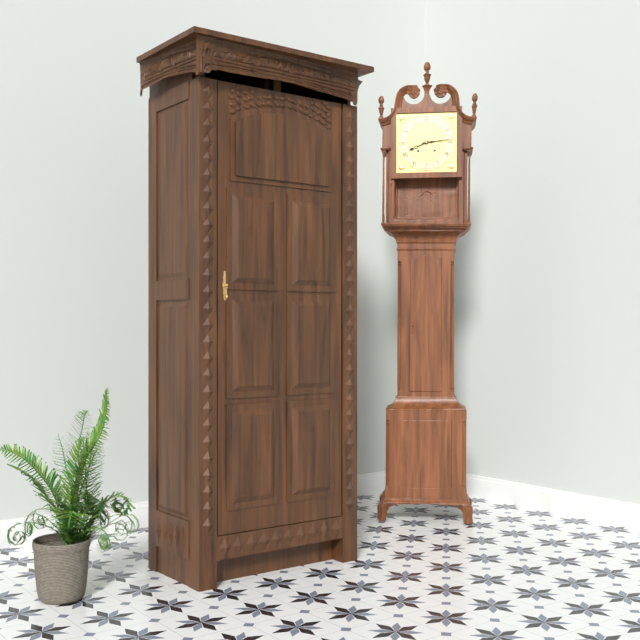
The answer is 8h14
